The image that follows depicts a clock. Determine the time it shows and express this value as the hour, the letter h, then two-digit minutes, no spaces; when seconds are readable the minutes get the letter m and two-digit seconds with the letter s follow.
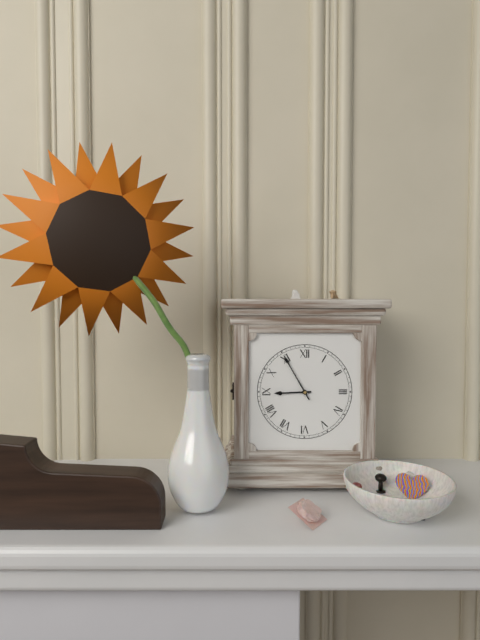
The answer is 8h55
